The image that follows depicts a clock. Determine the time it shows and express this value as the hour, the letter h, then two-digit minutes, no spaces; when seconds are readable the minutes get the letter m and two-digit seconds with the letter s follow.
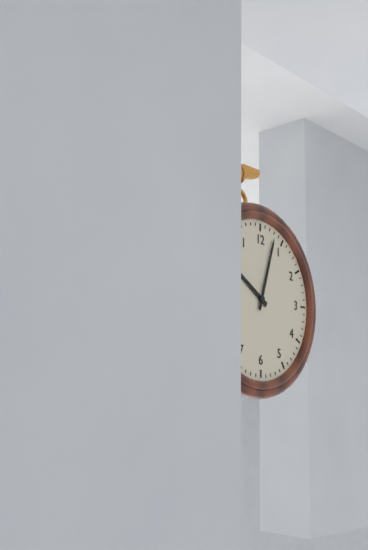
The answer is 10h03
